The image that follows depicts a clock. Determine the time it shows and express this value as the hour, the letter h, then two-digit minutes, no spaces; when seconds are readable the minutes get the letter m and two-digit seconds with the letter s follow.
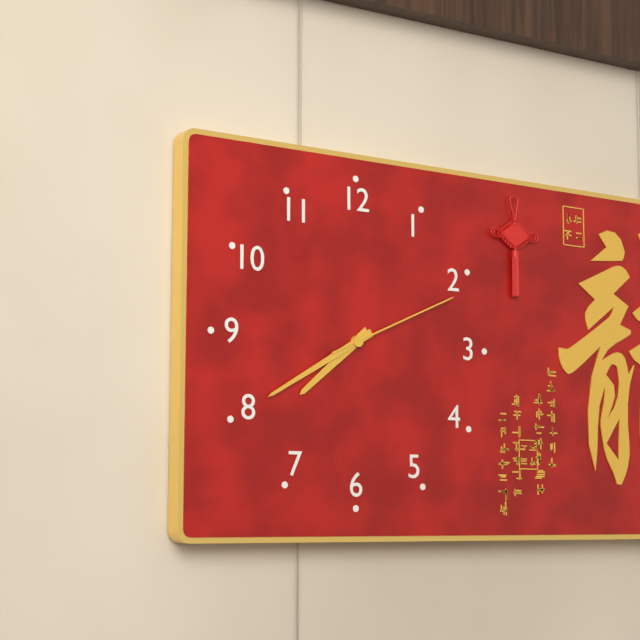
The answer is 7h40m11s
